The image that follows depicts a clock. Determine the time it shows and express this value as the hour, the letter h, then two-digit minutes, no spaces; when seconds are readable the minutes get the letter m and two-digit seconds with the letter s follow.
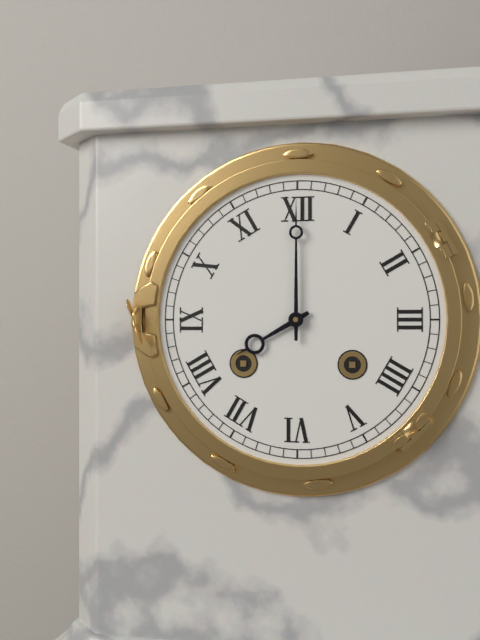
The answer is 8h00
